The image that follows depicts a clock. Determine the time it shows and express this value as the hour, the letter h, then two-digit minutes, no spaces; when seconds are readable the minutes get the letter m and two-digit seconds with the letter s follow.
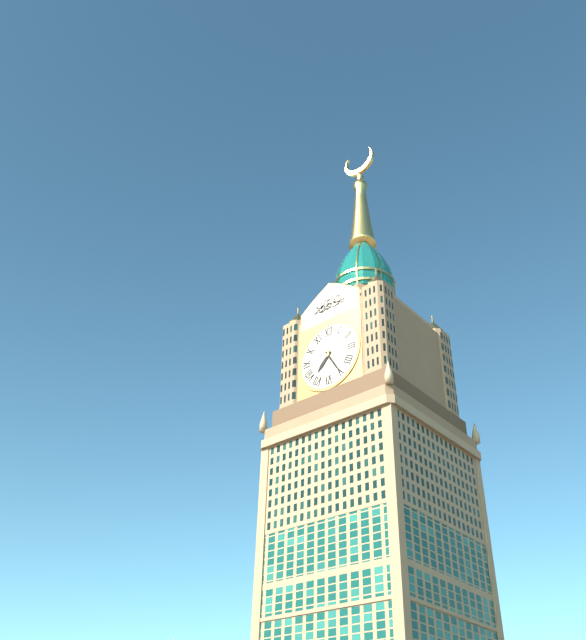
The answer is 7h25
